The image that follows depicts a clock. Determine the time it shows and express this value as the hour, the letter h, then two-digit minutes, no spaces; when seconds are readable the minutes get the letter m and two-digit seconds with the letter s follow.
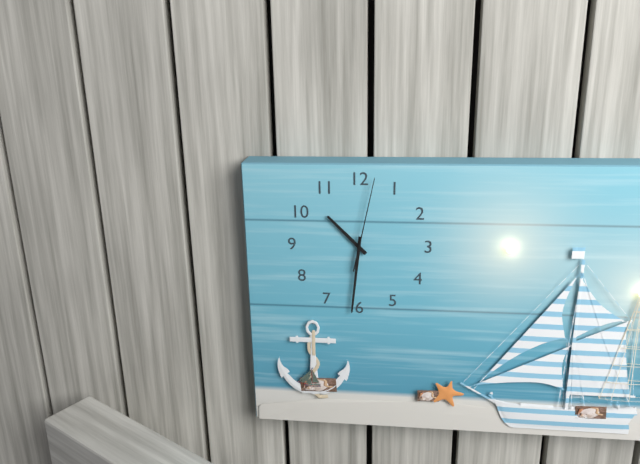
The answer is 10h31m02s
